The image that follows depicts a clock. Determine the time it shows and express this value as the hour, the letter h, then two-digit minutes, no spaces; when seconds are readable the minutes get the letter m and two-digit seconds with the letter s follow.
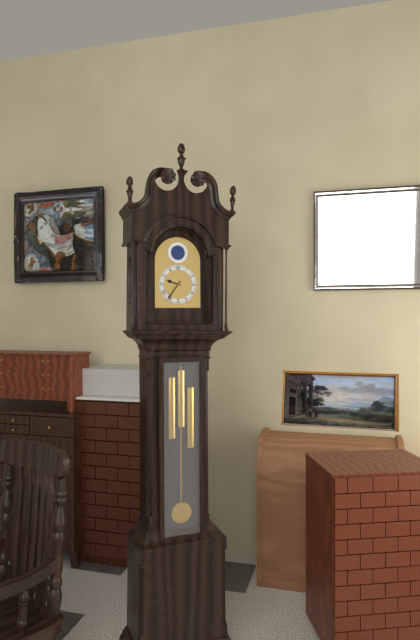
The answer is 9h36
